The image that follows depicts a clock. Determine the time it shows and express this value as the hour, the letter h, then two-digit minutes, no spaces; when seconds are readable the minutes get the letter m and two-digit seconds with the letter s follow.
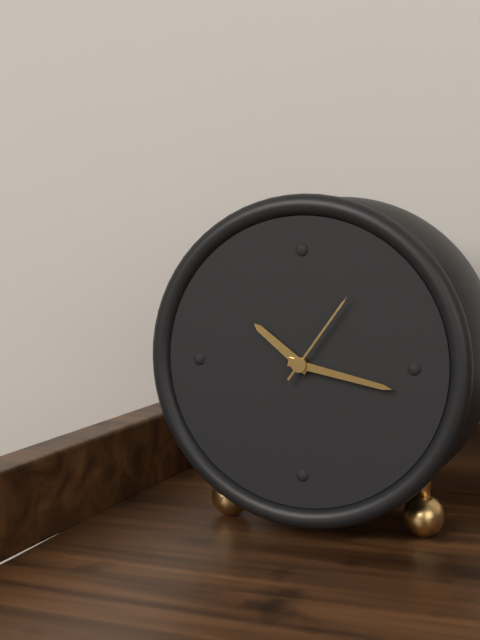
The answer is 10h17m06s
